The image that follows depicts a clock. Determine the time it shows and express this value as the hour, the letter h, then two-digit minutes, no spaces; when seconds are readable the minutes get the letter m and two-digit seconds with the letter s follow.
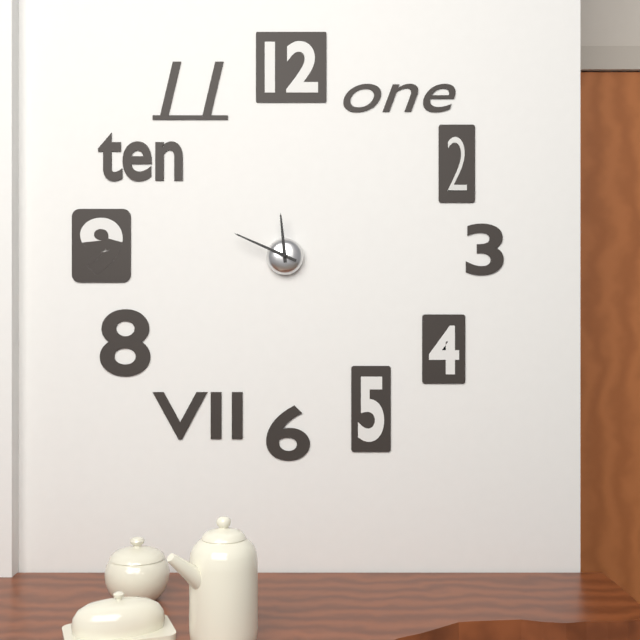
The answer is 11h49
